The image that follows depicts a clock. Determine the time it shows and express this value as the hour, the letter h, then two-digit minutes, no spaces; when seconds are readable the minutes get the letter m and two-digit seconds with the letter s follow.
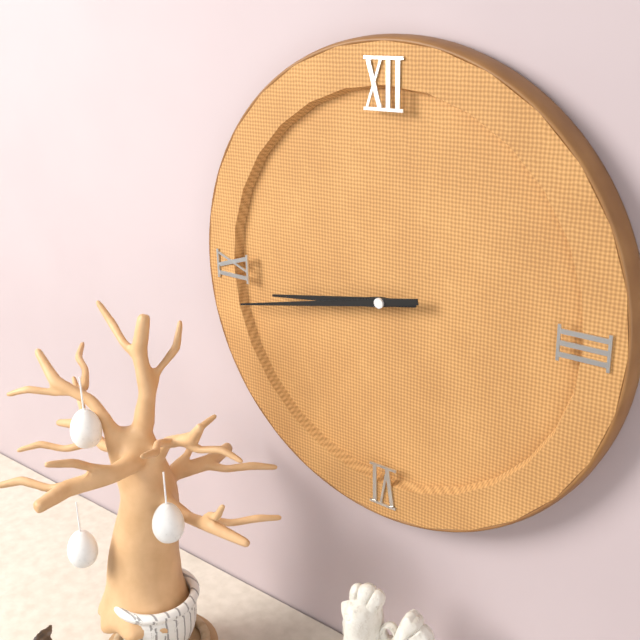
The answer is 8h43
